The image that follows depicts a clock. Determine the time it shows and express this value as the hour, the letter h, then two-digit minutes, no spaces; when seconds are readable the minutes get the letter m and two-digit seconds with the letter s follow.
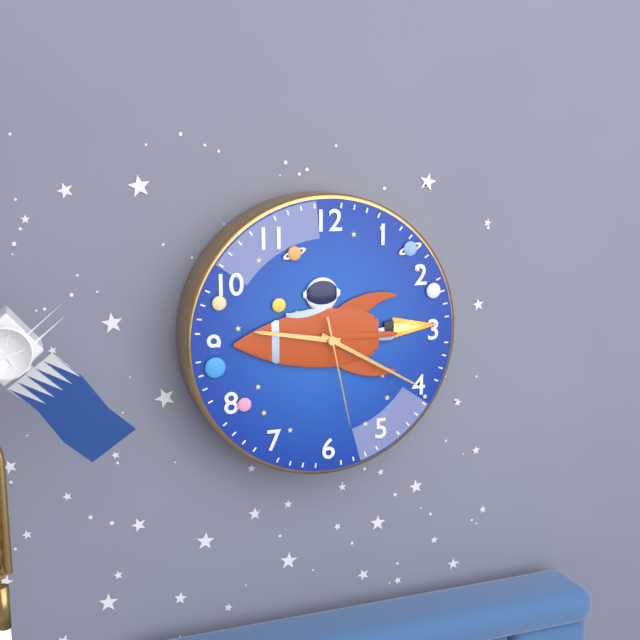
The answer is 9h20m28s
